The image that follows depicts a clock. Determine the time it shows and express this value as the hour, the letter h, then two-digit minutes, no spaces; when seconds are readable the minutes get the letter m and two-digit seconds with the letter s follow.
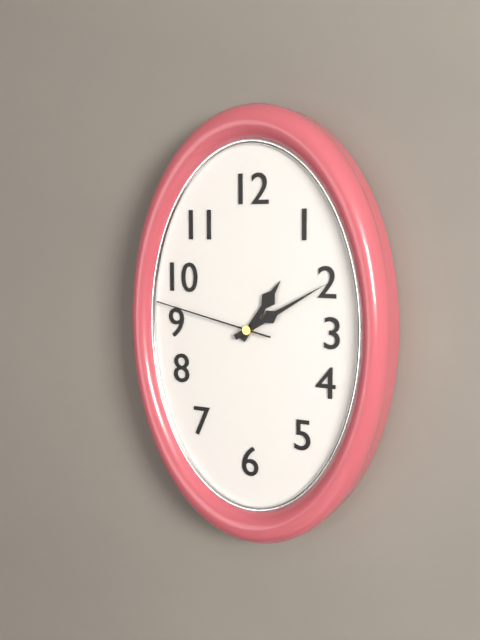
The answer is 1h10m47s
